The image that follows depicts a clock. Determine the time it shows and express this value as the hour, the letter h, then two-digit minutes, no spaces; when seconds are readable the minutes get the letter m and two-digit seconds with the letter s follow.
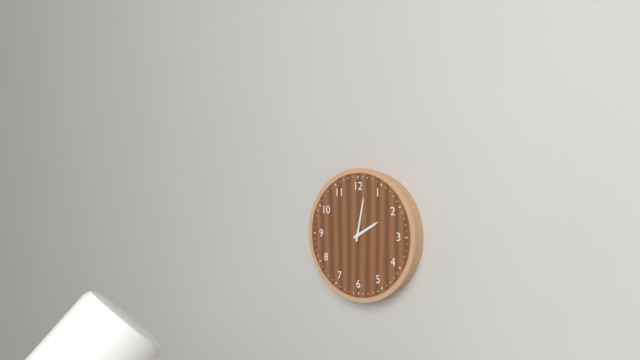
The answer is 2h02
